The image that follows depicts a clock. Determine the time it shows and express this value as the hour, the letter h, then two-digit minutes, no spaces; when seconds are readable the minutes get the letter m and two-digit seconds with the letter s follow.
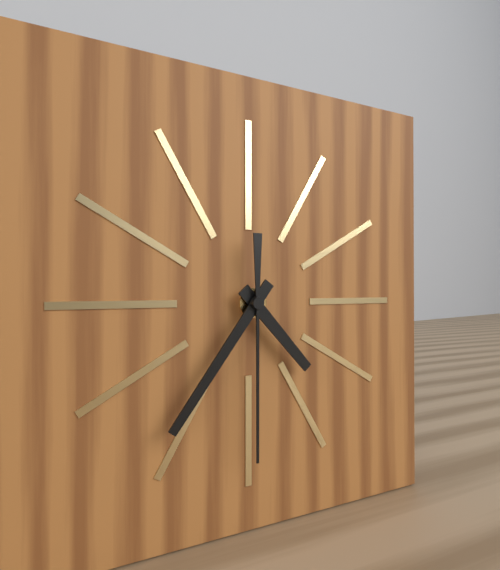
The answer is 4h36m30s
